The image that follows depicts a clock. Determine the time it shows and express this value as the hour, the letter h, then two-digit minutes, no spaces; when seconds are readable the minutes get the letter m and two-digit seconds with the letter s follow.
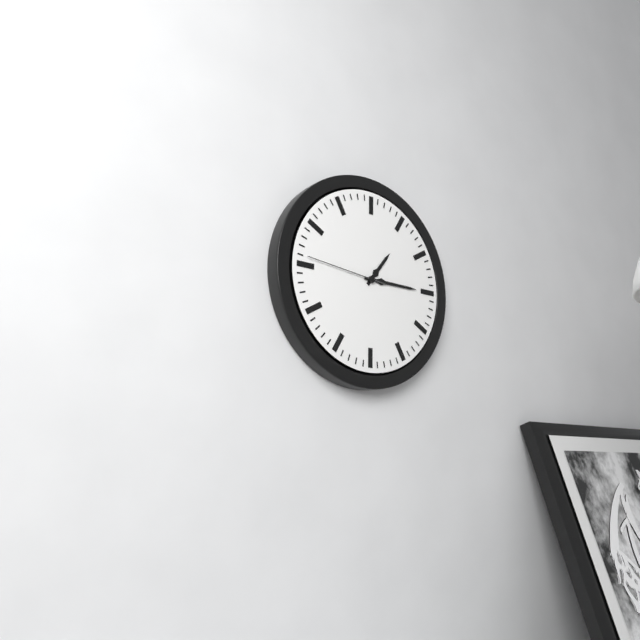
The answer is 1h15m46s
